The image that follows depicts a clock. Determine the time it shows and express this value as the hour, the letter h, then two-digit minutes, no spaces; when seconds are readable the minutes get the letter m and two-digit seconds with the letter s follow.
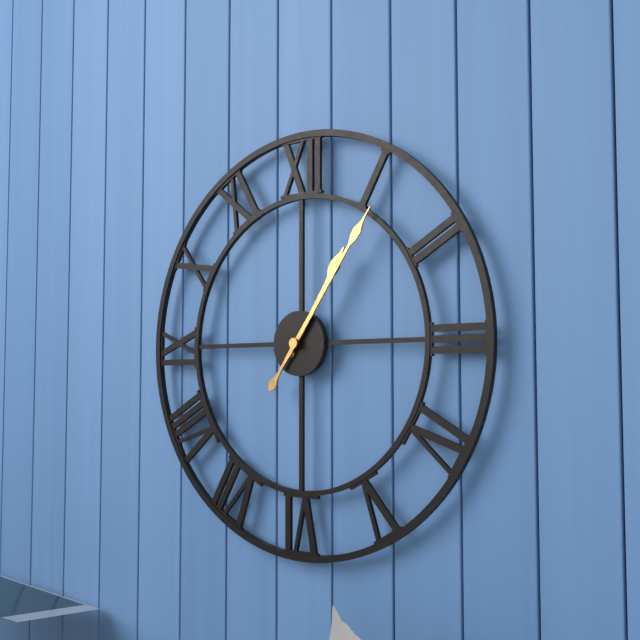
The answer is 1h06
